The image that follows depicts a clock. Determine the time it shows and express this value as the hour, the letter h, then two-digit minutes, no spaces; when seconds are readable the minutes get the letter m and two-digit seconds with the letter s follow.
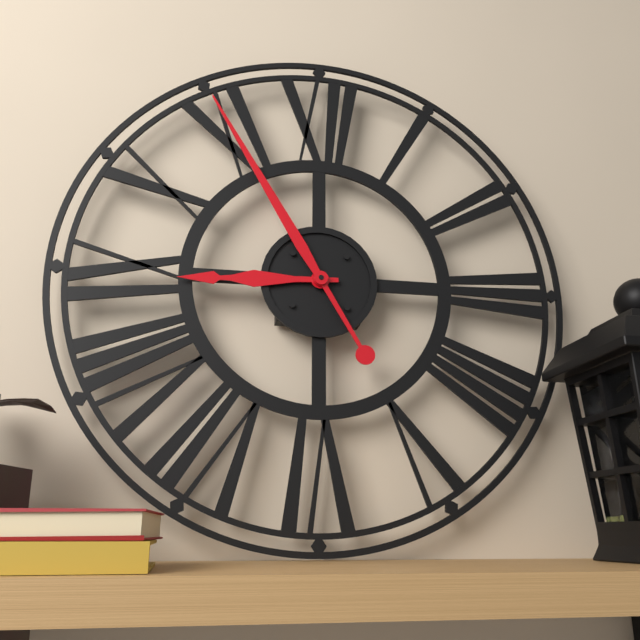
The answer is 8h55
